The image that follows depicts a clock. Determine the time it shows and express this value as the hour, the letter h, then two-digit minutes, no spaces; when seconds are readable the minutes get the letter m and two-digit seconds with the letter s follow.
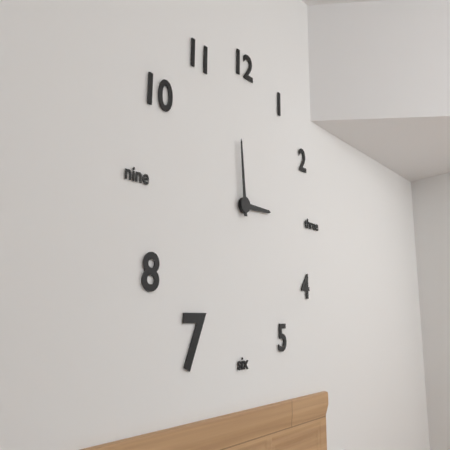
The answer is 2h59
